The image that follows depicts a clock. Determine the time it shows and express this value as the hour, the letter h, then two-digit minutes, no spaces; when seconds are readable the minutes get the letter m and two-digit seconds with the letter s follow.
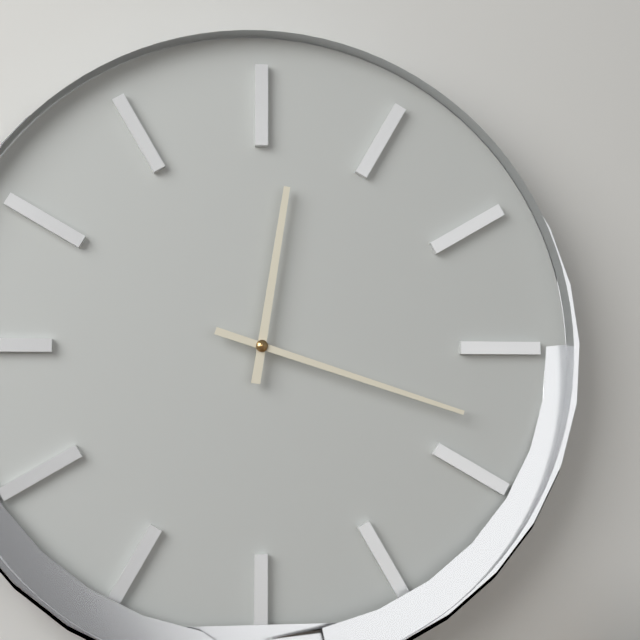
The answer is 12h18
